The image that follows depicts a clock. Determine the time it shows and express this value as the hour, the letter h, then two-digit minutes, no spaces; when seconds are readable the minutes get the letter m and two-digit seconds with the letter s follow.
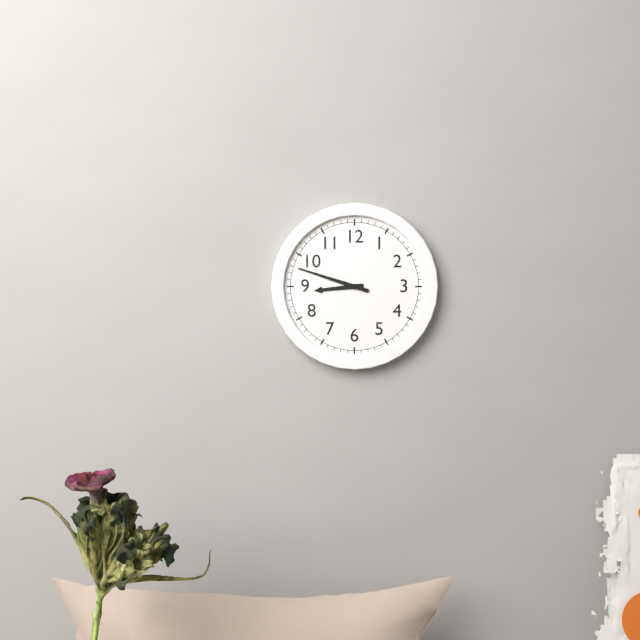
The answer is 8h48
